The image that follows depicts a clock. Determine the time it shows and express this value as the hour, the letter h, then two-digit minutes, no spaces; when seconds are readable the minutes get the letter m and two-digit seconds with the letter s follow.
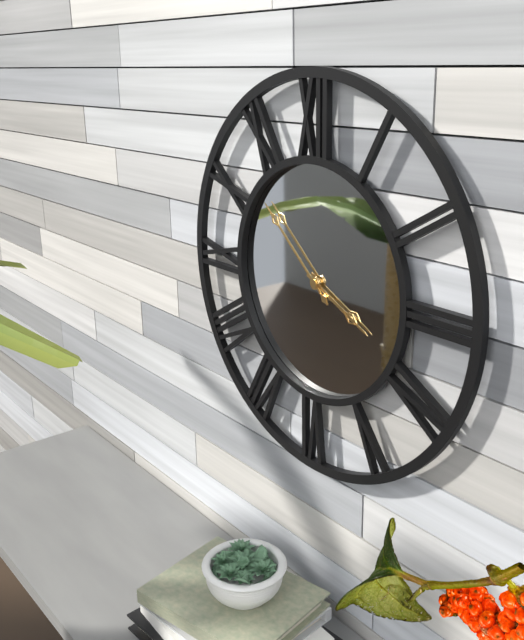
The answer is 3h52
